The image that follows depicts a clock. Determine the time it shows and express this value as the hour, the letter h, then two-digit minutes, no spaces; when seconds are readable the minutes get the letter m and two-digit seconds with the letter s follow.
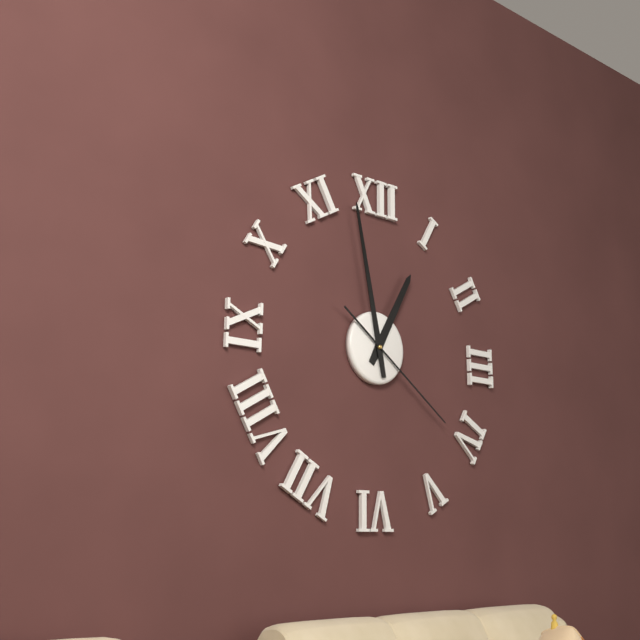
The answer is 12h58m21s
